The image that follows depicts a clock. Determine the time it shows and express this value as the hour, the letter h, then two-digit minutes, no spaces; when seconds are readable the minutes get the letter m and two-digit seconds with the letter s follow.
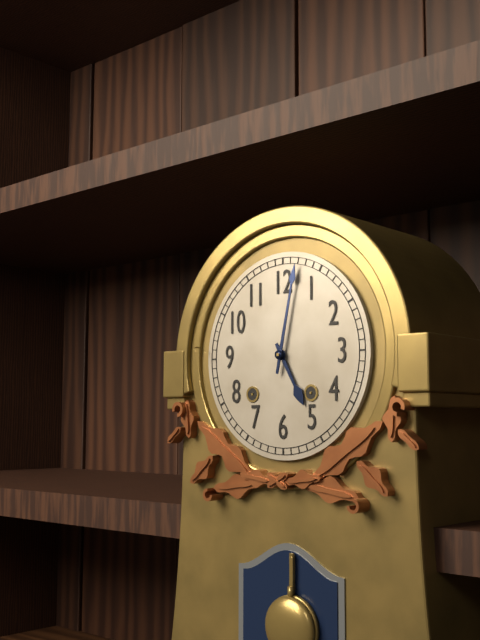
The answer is 5h02
